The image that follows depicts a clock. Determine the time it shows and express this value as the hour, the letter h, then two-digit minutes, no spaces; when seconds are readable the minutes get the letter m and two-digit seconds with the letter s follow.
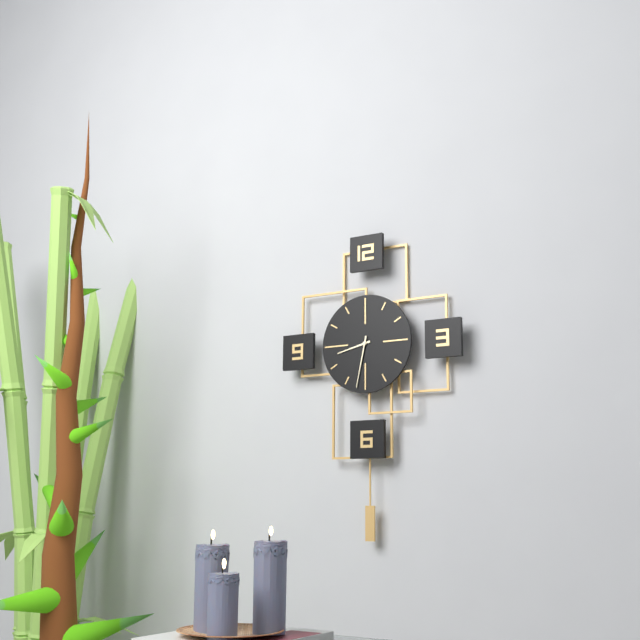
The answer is 8h32
